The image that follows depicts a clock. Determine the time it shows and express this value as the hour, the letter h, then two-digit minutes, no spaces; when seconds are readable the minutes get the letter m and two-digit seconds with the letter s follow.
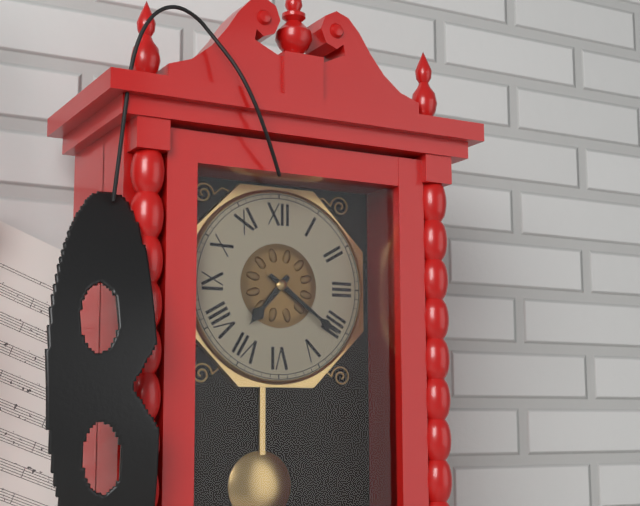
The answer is 7h21
